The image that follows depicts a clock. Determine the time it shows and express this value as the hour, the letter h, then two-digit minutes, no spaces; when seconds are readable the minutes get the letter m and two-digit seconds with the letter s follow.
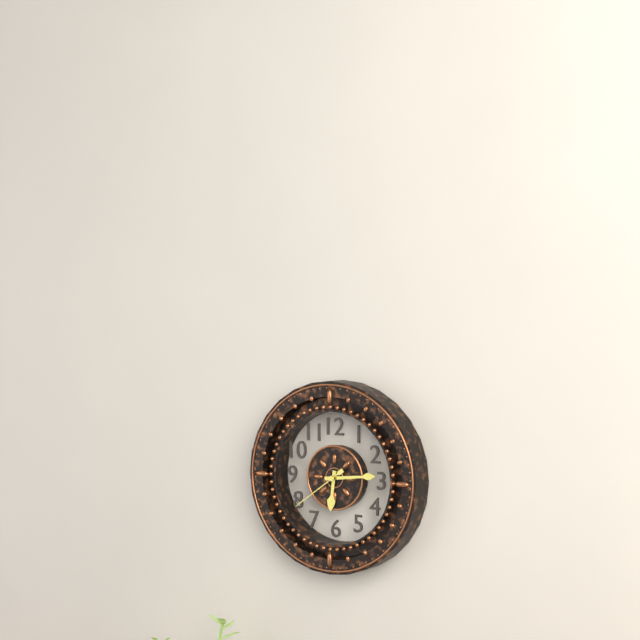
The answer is 6h14m39s
